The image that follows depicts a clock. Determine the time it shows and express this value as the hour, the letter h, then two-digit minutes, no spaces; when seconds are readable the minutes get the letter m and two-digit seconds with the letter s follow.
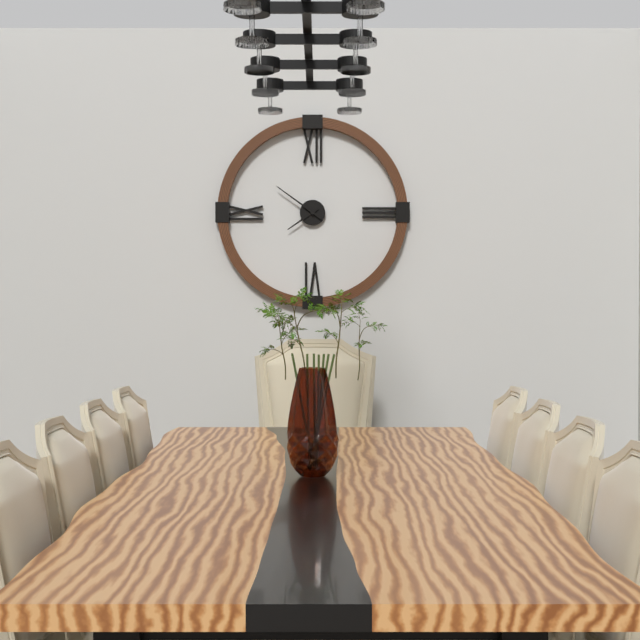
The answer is 7h51
